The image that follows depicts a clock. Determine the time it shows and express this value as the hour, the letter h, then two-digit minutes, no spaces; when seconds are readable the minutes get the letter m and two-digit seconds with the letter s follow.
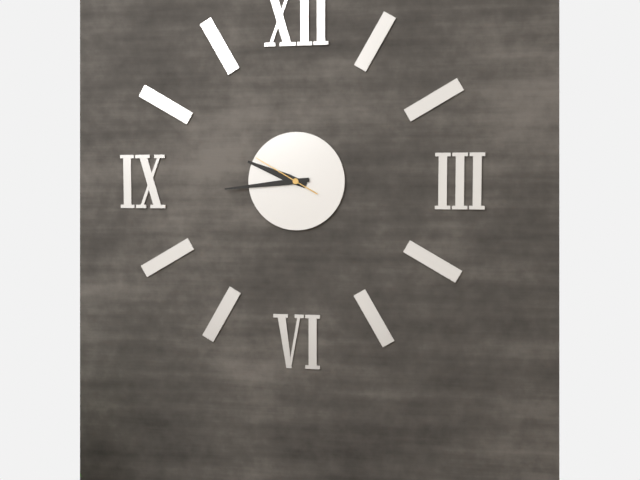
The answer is 9h44m50s
